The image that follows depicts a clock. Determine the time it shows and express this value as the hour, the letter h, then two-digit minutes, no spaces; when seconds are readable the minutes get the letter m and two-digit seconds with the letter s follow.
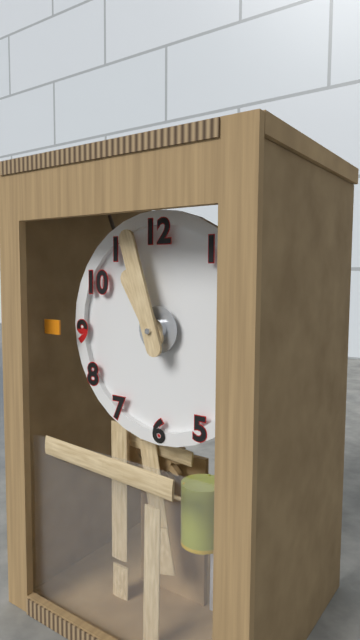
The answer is 10h57
